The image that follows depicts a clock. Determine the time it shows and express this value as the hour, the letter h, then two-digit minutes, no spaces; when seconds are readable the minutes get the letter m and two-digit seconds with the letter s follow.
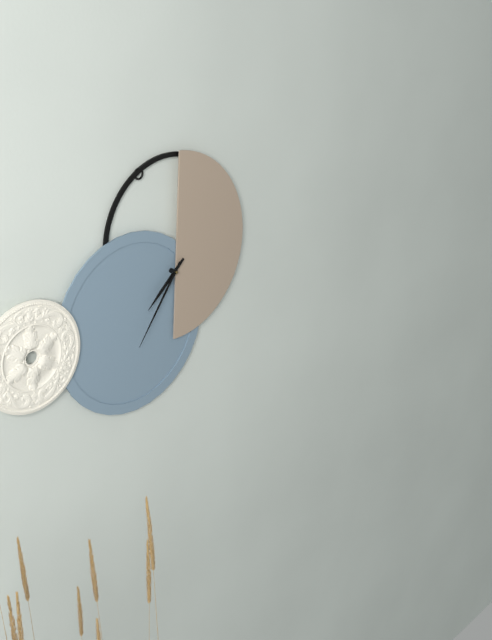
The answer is 7h36
